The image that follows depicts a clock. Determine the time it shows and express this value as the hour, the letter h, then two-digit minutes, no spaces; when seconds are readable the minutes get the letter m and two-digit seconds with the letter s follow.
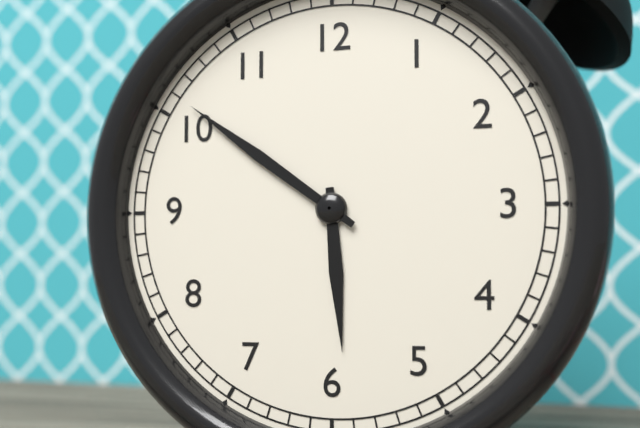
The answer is 5h51
